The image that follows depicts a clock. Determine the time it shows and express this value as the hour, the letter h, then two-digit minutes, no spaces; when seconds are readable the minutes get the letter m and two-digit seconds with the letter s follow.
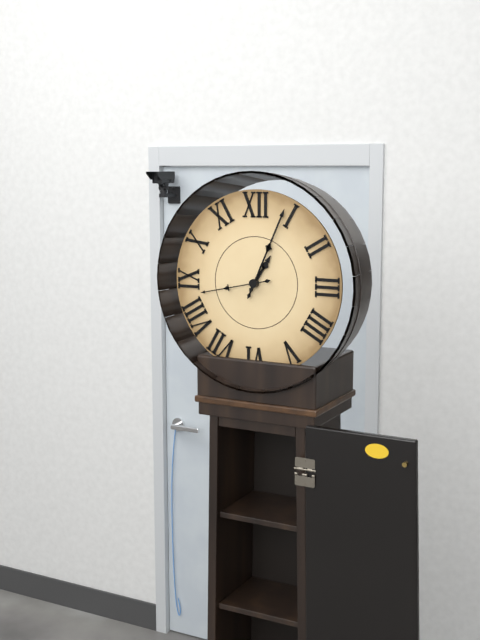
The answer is 1h04m43s
